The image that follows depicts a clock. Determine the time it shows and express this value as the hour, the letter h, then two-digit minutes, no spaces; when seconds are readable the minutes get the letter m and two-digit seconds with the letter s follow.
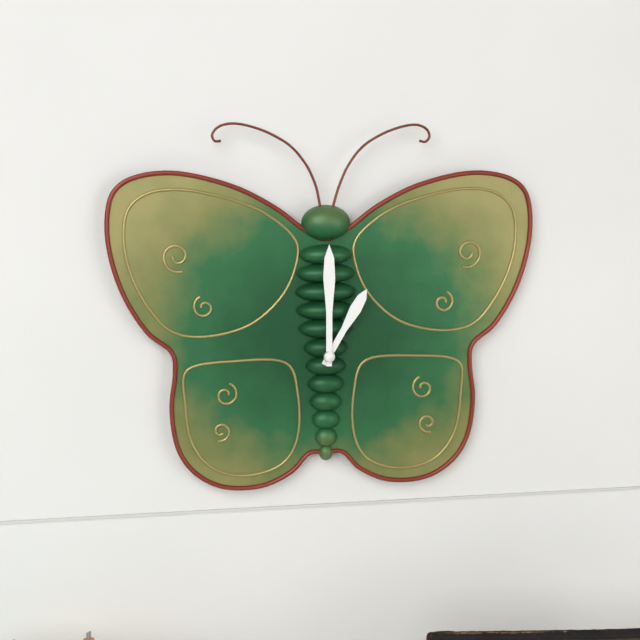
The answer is 1h00
